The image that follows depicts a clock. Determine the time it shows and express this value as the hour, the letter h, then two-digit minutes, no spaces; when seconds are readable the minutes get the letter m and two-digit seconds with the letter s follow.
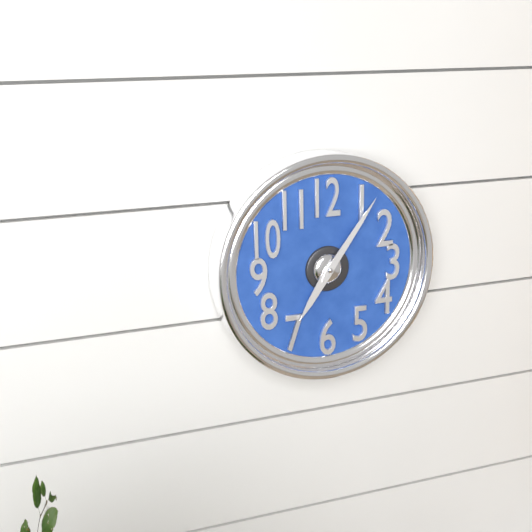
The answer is 7h06
